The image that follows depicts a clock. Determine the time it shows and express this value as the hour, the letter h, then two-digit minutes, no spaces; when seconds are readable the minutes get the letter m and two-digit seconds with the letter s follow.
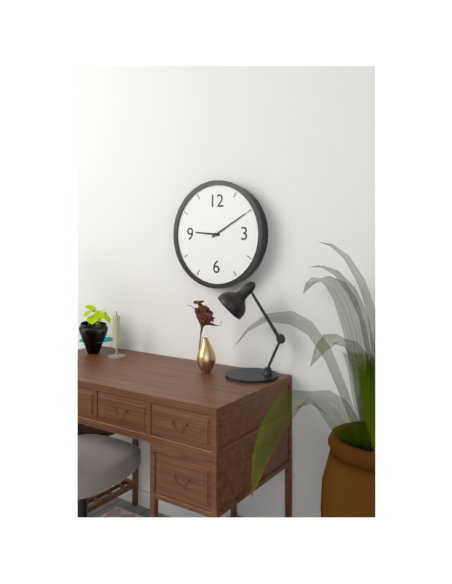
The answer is 9h10
